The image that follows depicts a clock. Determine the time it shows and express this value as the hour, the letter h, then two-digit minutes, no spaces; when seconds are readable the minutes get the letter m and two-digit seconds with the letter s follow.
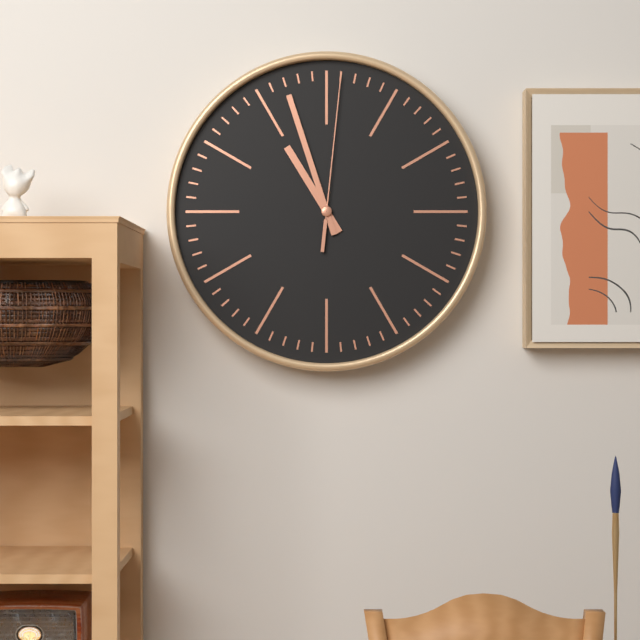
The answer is 10h57m01s
